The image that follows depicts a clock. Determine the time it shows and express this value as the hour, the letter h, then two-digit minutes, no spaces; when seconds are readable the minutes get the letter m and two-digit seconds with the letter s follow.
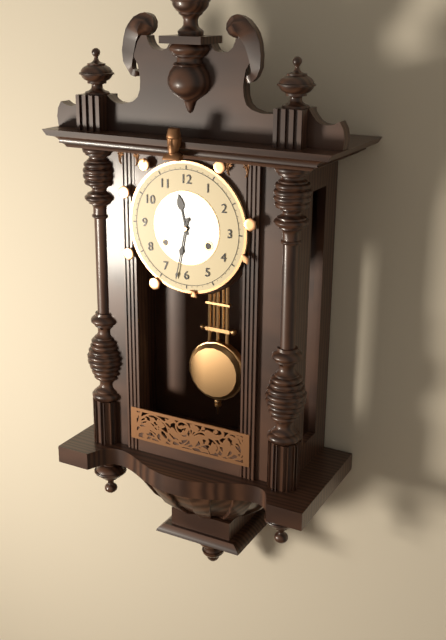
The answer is 11h32
